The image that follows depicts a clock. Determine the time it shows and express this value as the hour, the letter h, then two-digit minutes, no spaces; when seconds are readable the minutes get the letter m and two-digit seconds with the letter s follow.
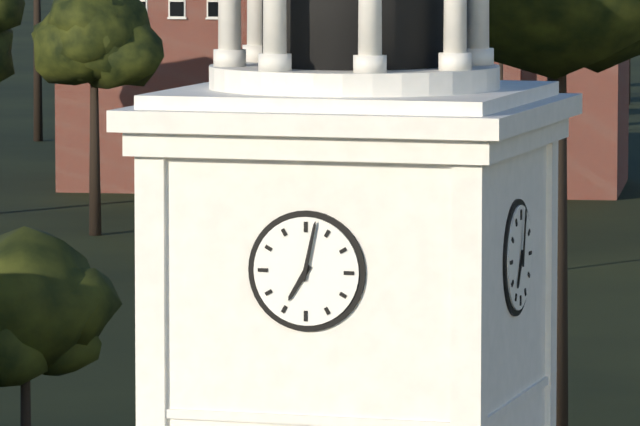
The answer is 7h02
